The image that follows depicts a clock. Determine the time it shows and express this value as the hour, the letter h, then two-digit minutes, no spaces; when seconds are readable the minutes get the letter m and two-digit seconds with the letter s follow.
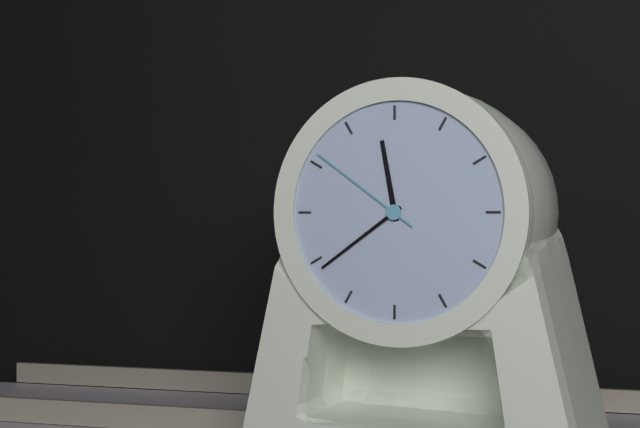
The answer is 11h39m51s
